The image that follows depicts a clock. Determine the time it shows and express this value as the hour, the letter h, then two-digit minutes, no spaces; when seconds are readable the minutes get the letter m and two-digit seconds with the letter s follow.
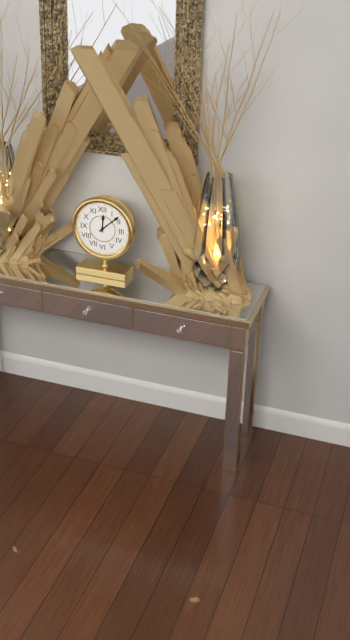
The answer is 12h08
